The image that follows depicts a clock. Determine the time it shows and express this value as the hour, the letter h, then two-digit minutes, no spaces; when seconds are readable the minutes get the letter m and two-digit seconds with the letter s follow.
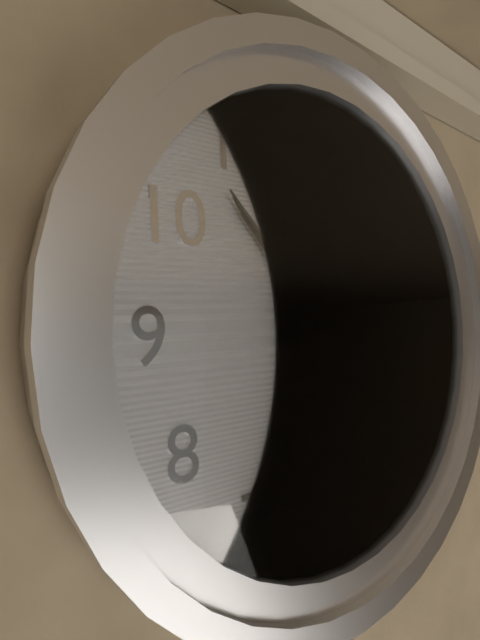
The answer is 11h53m53s
